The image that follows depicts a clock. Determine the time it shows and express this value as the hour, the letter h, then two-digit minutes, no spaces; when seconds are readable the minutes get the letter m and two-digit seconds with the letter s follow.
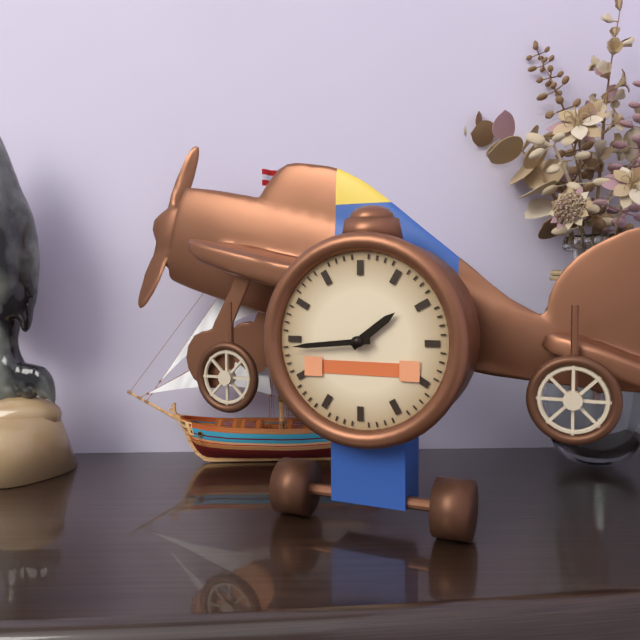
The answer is 1h44
